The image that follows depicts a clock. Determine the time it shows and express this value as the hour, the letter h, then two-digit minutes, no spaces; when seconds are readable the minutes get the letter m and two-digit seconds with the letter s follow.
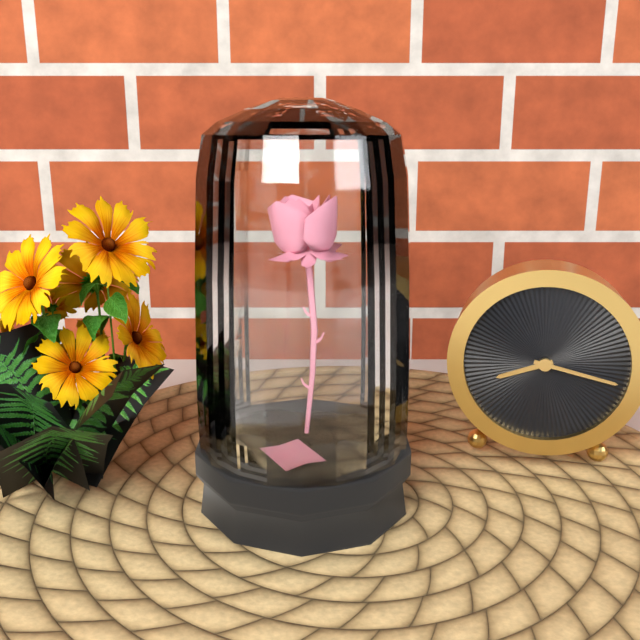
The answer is 8h17
